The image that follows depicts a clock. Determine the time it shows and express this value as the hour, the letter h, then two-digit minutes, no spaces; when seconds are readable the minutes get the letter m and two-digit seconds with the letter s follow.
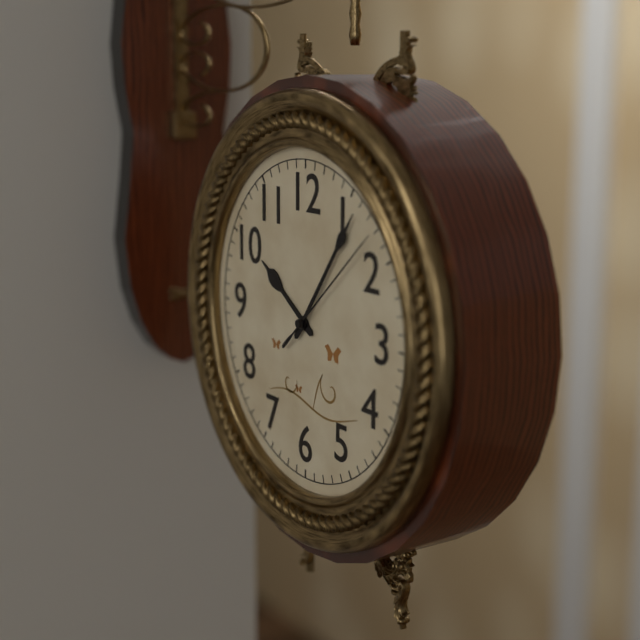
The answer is 10h06m08s
